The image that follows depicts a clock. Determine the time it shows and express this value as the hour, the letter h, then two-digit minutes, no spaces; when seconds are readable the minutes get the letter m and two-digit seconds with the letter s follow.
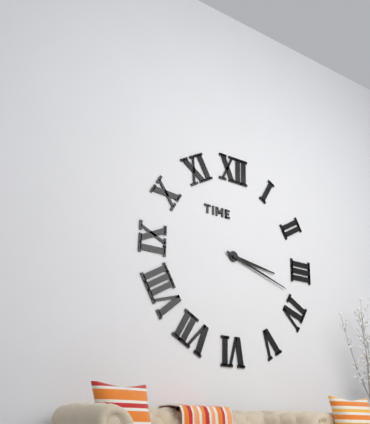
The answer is 3h18
